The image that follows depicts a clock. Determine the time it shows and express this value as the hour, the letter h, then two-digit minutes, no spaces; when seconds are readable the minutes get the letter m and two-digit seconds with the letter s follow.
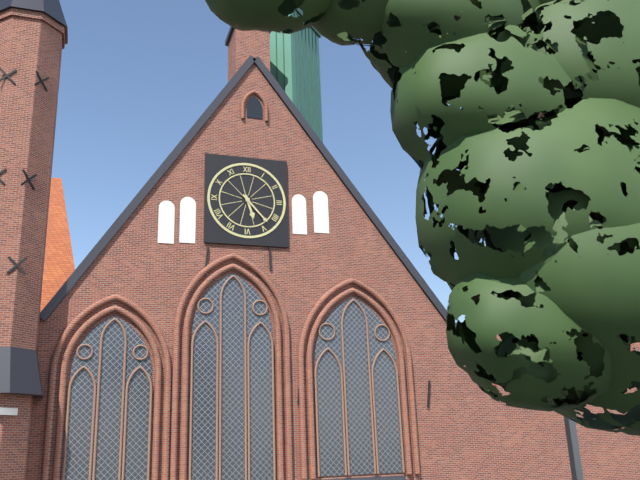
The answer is 5h23
